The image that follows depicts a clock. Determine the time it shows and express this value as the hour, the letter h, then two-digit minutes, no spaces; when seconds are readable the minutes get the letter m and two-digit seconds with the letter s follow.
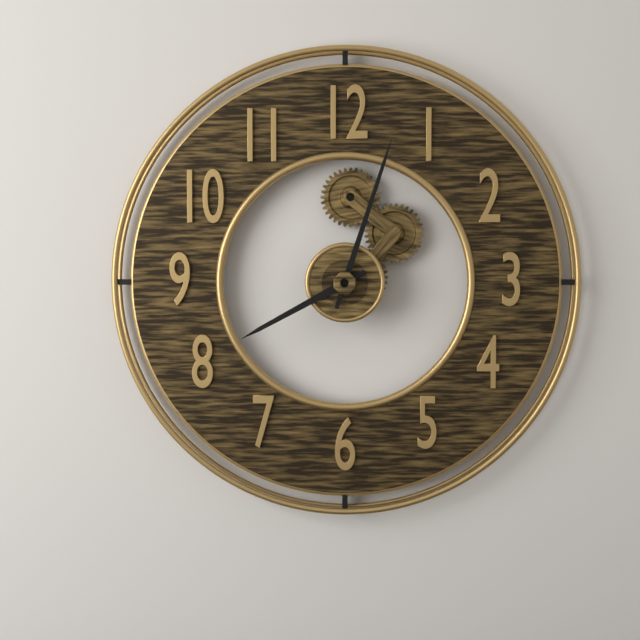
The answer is 8h03
